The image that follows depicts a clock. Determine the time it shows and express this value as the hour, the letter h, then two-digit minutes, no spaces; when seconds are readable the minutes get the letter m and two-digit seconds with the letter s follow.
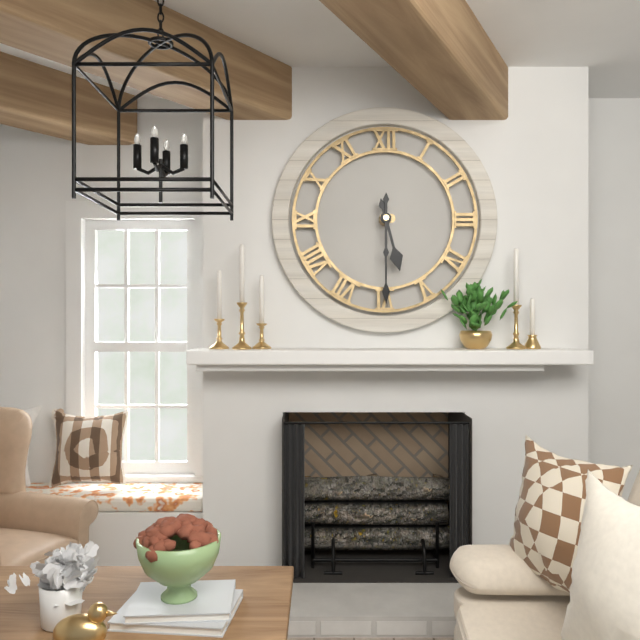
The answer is 5h30
